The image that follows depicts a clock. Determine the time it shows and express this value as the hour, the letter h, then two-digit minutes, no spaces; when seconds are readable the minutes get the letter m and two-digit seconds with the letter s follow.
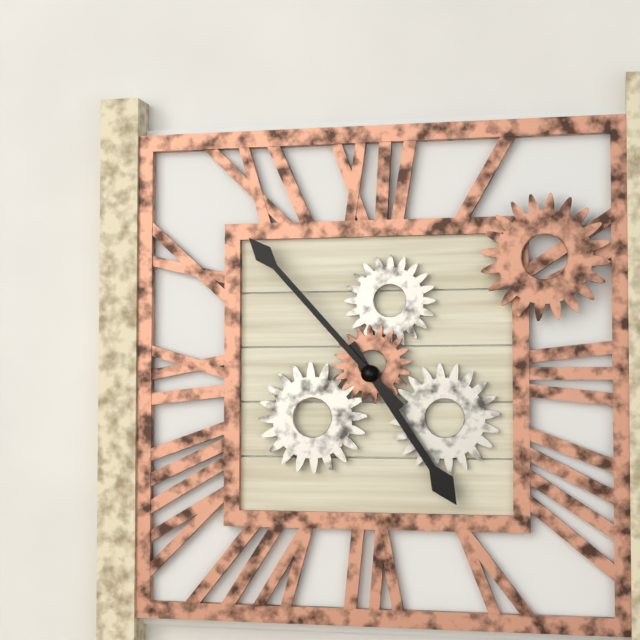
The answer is 4h53
